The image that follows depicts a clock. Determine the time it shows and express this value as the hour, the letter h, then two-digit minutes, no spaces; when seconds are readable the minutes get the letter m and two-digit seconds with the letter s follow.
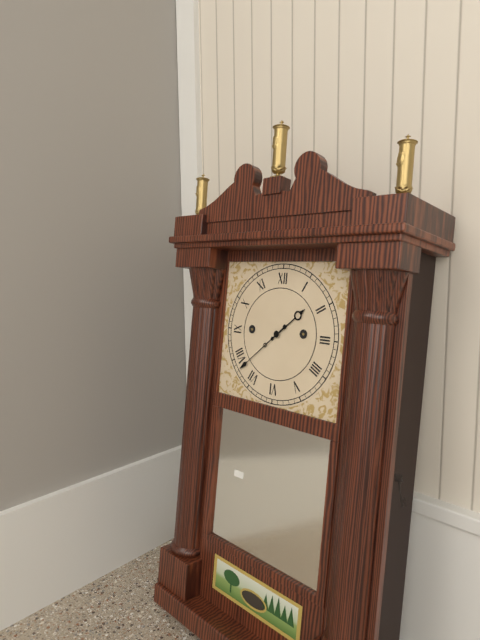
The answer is 1h38
